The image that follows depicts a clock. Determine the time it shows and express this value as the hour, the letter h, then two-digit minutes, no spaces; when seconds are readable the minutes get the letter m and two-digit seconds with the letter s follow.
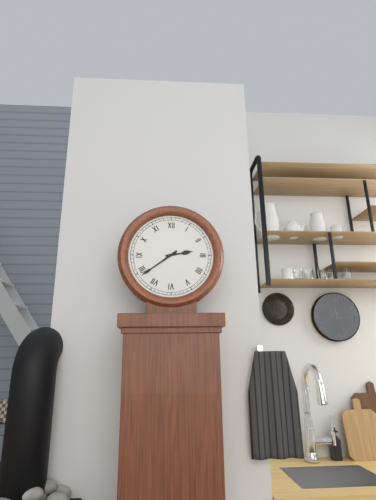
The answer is 2h39
